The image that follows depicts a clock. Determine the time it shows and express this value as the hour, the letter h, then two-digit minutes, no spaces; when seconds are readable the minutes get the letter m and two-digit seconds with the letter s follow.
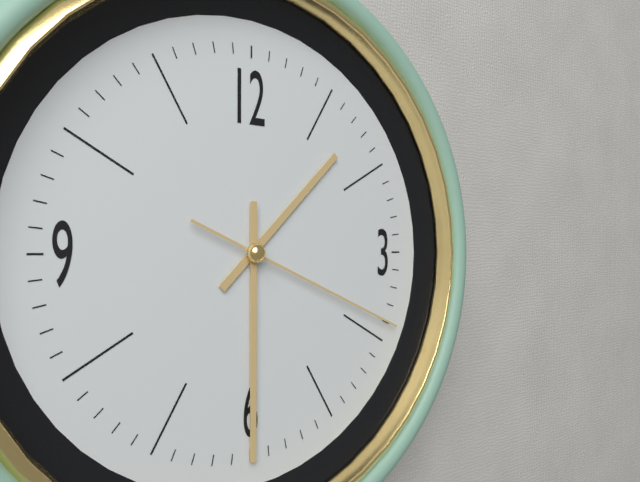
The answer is 1h30m19s
